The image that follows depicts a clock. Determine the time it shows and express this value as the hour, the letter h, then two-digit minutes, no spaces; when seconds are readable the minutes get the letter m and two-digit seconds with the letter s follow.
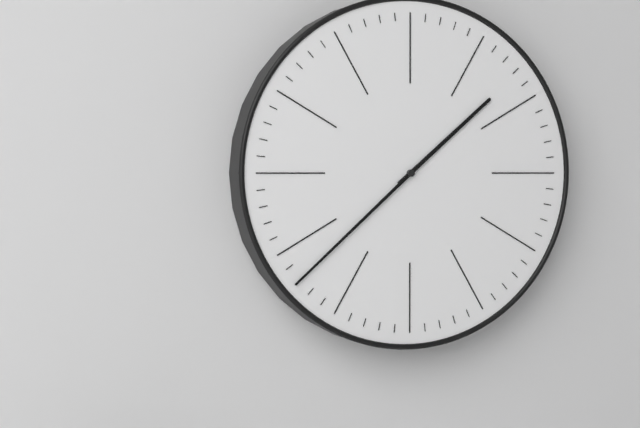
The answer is 1h38
